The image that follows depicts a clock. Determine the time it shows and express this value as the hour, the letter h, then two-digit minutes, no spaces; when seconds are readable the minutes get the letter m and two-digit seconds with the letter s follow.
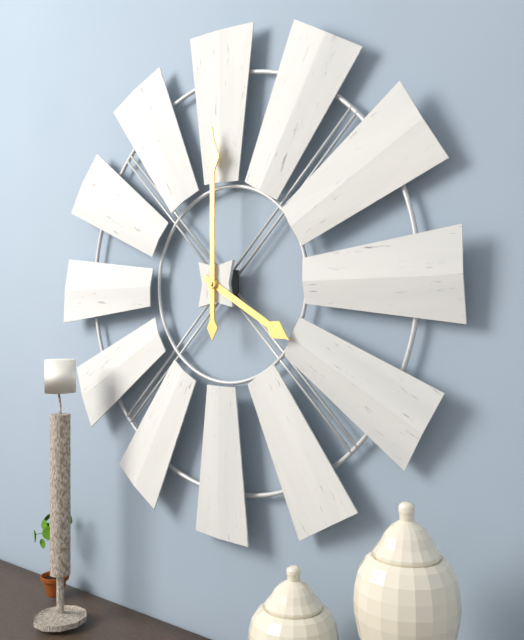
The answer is 4h00
